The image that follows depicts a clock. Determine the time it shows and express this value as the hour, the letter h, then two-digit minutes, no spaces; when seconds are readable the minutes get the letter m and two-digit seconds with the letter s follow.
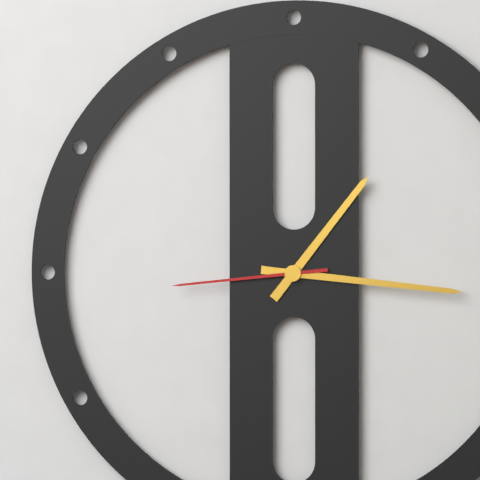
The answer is 1h16m44s
